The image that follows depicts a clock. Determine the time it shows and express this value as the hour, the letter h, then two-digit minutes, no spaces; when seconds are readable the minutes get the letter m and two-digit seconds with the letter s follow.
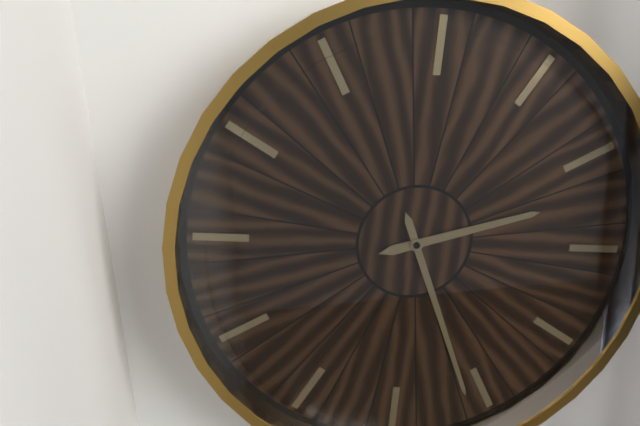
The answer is 2h26
